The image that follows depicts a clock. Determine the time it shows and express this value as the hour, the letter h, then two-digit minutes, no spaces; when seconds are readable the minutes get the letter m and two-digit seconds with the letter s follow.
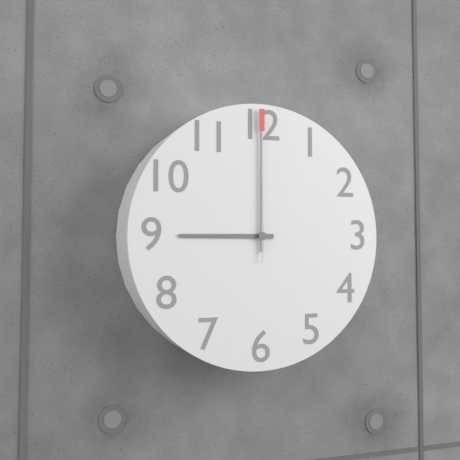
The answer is 9h00m00s
